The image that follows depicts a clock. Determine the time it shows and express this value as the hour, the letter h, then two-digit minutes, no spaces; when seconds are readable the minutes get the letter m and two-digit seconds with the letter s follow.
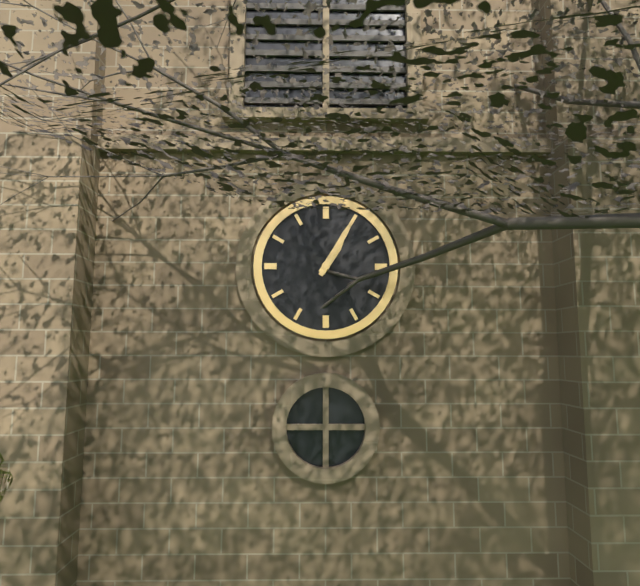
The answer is 1h05
